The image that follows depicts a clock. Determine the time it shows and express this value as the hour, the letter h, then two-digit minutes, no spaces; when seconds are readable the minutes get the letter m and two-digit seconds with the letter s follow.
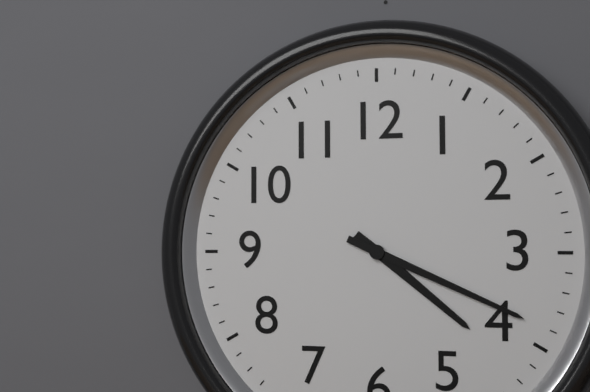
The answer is 4h19
